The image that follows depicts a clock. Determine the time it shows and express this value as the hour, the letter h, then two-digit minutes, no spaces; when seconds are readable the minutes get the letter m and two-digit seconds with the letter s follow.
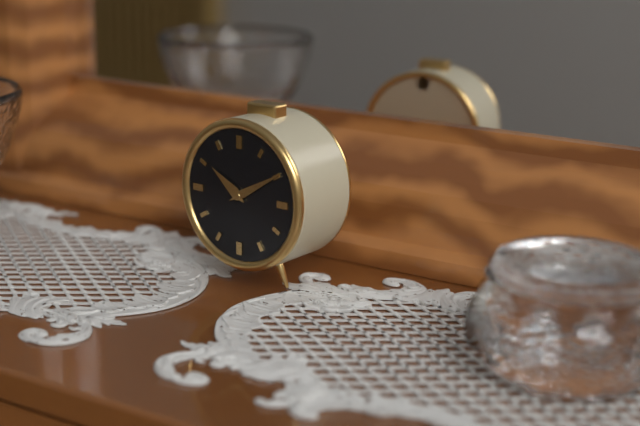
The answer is 10h10
